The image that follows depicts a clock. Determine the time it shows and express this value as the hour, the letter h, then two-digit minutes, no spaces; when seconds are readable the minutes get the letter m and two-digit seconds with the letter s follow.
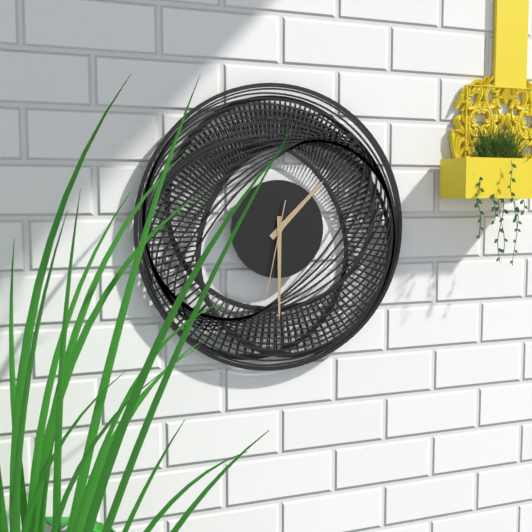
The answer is 1h30m32s
